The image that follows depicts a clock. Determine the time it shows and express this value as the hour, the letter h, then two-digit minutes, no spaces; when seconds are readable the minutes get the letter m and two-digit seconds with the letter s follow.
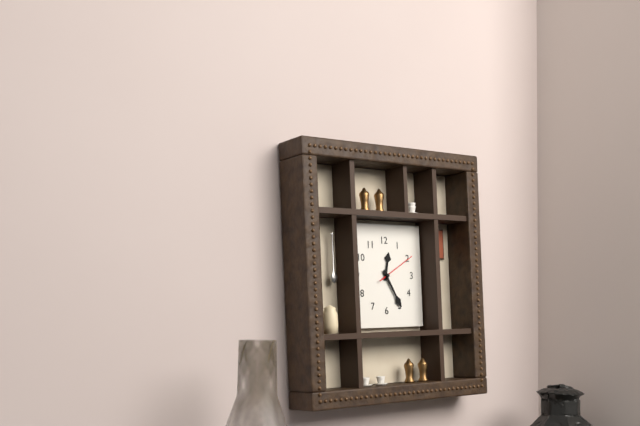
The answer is 12h25
